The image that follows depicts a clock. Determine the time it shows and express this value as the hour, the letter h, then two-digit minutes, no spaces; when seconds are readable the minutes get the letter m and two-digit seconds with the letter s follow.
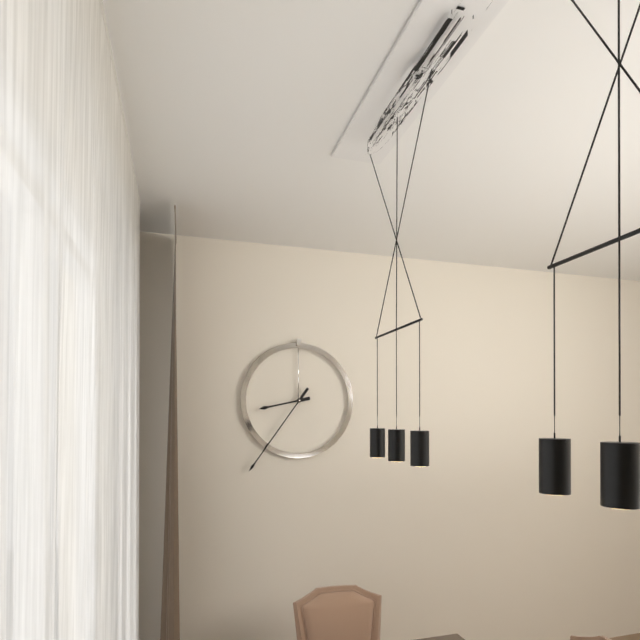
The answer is 8h36
